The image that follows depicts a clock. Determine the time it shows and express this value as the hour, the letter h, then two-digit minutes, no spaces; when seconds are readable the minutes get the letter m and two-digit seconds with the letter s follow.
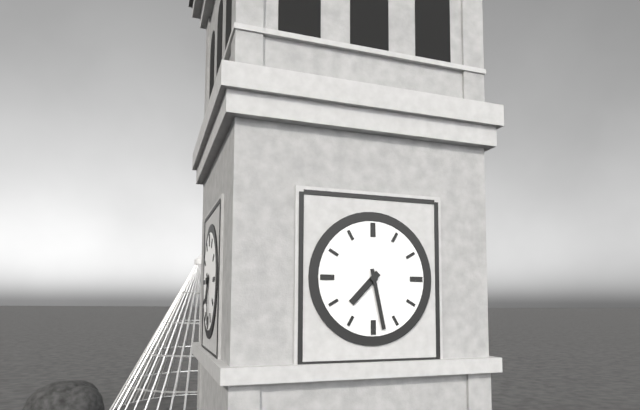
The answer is 7h28
